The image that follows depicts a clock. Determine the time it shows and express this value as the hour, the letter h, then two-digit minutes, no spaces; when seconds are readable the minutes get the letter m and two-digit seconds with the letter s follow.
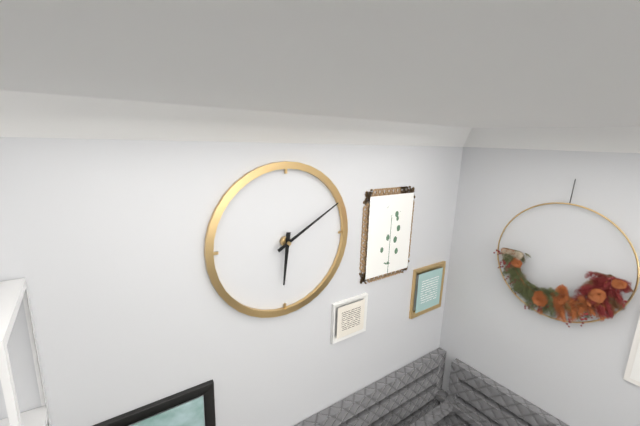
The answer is 6h10
